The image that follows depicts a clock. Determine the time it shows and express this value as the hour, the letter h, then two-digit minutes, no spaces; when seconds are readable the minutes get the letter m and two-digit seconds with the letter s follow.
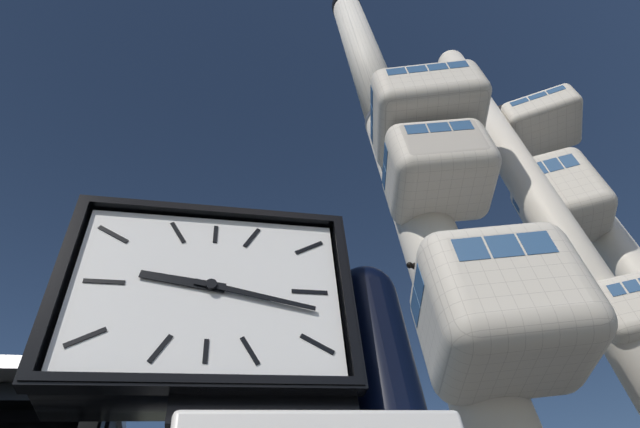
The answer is 9h17
